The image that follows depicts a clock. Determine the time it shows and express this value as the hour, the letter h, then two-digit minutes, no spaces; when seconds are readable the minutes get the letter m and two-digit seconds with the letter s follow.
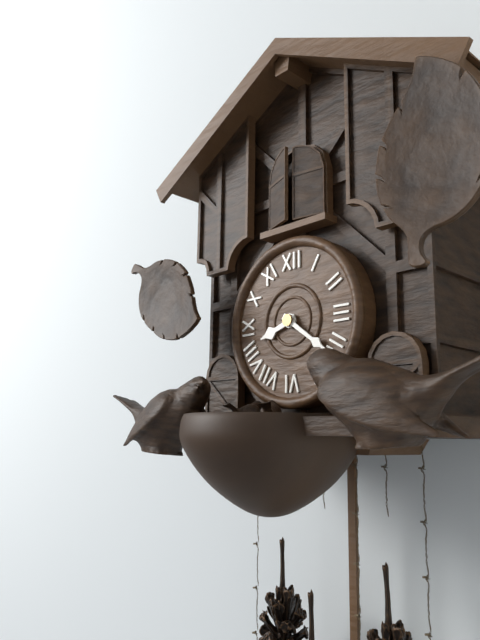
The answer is 8h21
